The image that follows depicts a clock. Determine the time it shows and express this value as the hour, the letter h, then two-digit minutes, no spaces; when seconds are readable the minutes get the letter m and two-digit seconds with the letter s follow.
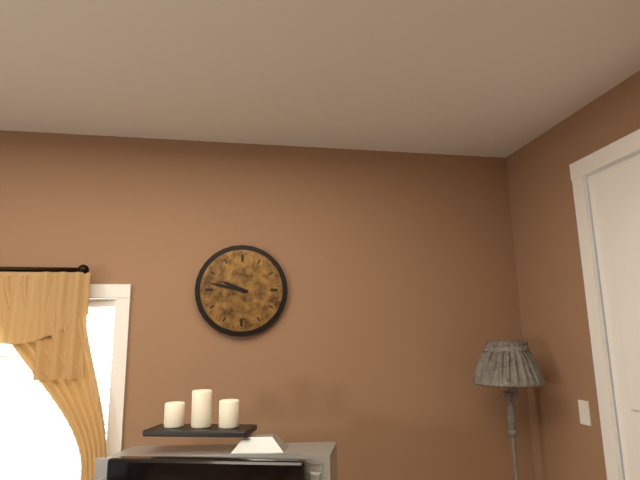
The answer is 9h47
